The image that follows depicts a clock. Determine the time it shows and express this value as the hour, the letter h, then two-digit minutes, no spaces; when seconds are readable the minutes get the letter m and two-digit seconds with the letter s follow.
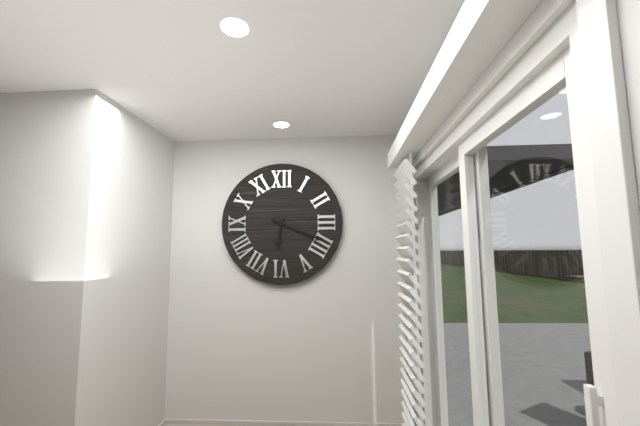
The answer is 6h19
